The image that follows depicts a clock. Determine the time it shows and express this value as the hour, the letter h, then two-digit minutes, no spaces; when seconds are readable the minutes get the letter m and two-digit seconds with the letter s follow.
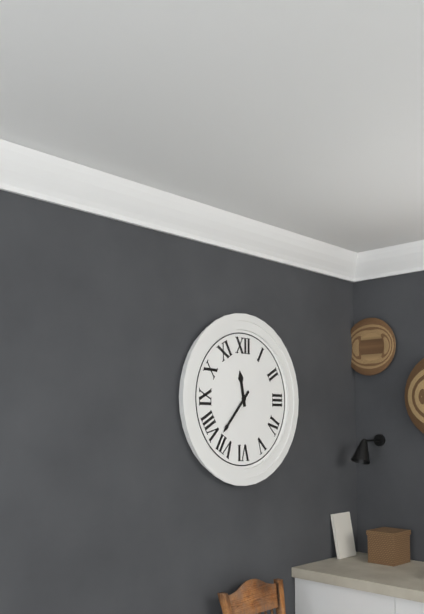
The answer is 11h37
